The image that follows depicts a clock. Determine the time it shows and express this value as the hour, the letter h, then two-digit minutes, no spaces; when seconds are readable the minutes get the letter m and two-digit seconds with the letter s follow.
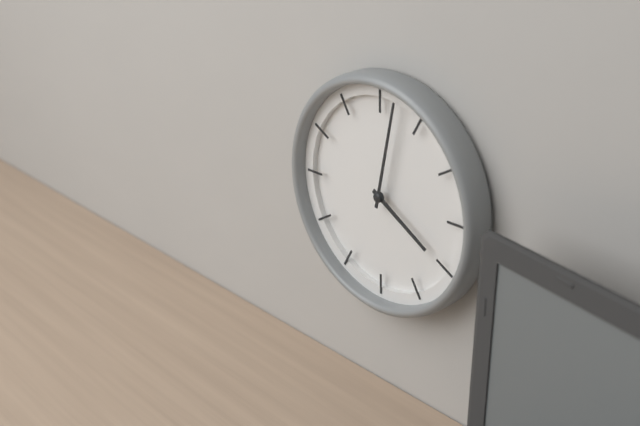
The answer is 4h02
